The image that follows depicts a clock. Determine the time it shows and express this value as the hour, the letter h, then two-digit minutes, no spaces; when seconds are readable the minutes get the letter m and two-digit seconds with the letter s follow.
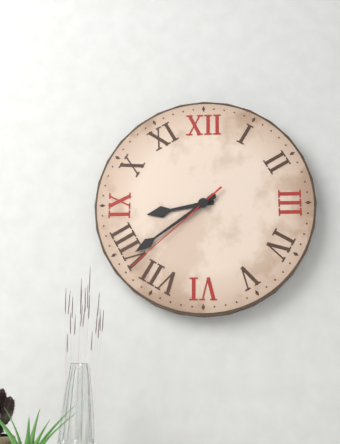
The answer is 8h39m38s
